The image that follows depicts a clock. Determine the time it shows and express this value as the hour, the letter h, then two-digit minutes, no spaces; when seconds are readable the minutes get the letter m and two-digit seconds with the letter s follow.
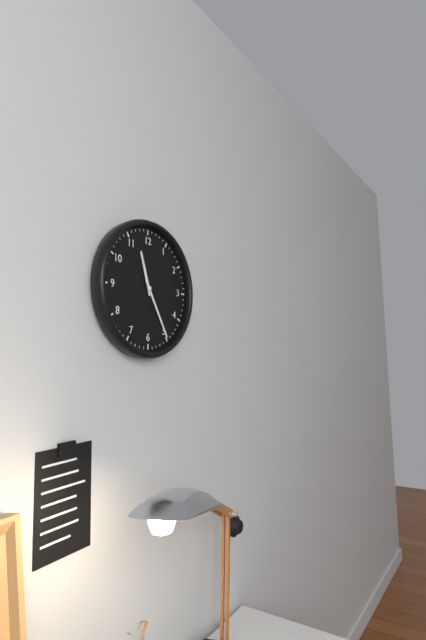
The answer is 11h25
